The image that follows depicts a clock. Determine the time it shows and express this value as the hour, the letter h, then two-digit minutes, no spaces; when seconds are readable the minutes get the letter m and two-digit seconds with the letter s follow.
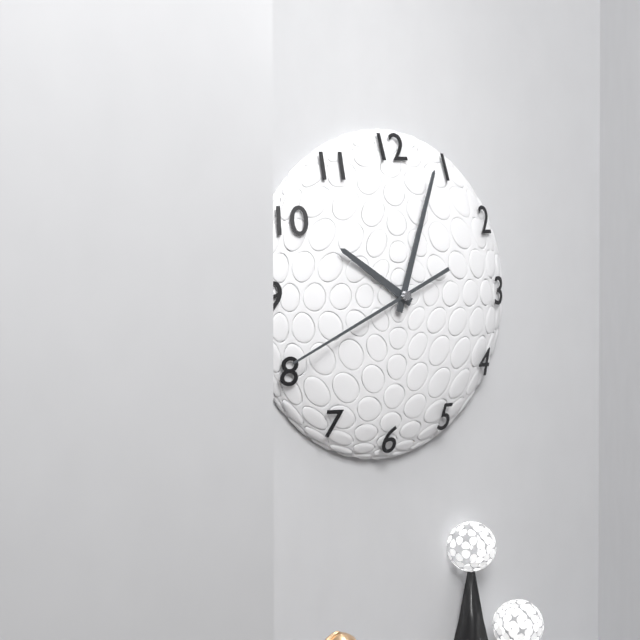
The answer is 10h03m41s
